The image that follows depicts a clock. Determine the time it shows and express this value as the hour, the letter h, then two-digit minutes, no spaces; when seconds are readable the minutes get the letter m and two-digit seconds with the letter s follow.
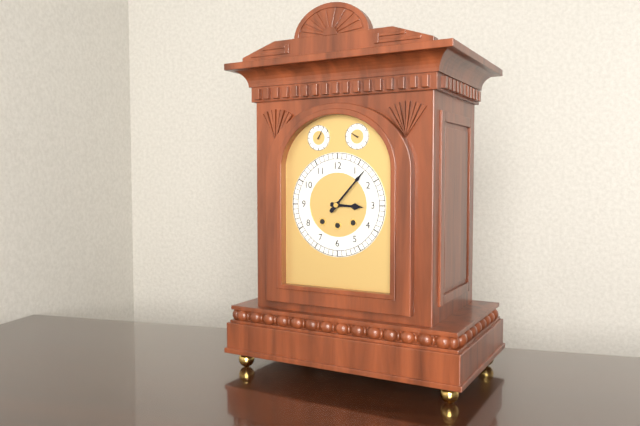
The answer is 3h07
